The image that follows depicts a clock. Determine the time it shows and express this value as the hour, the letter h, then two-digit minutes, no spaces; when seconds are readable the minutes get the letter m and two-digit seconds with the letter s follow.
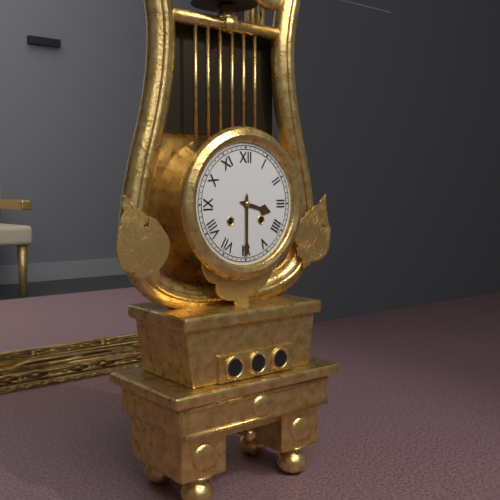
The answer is 3h30
